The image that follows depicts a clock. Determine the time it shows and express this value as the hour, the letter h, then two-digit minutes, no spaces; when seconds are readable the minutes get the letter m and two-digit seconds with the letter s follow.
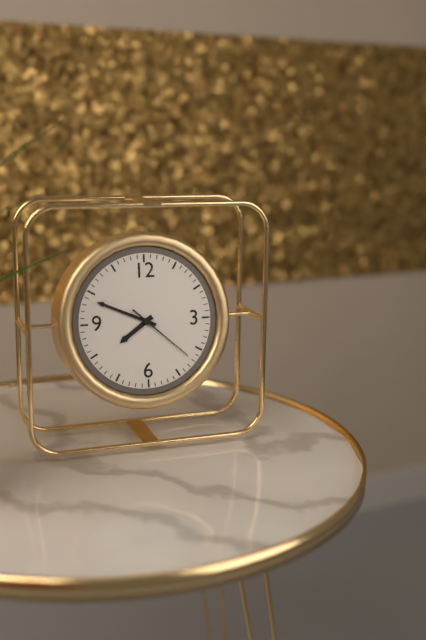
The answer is 7h49m22s
